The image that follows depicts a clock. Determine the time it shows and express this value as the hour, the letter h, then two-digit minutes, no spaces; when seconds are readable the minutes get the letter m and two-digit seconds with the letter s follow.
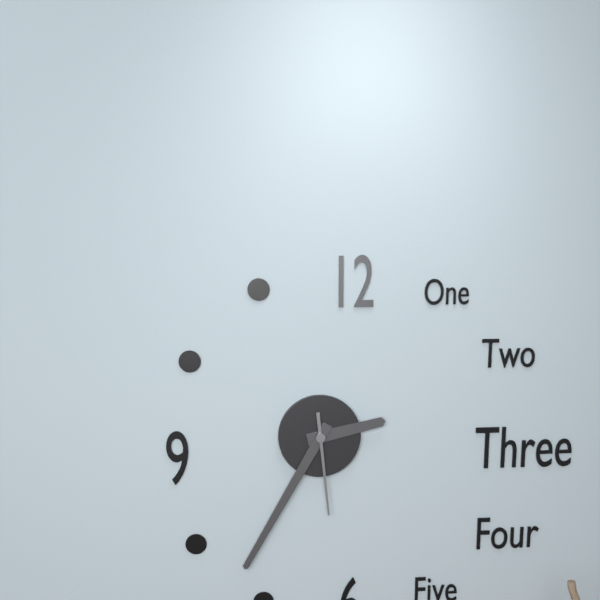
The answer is 2h35m29s
